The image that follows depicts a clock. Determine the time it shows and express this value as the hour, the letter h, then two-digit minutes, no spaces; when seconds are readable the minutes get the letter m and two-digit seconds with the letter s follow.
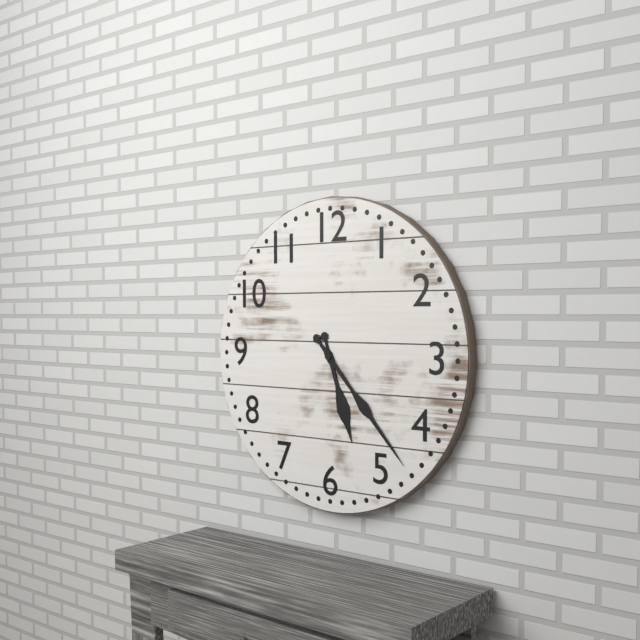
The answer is 5h23
